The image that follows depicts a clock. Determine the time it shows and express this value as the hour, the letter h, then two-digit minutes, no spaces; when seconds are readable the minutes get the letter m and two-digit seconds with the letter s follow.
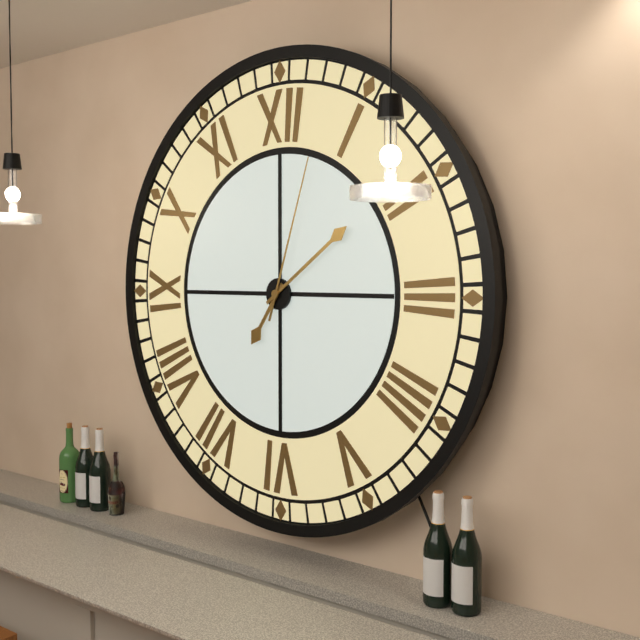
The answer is 7h09m03s
